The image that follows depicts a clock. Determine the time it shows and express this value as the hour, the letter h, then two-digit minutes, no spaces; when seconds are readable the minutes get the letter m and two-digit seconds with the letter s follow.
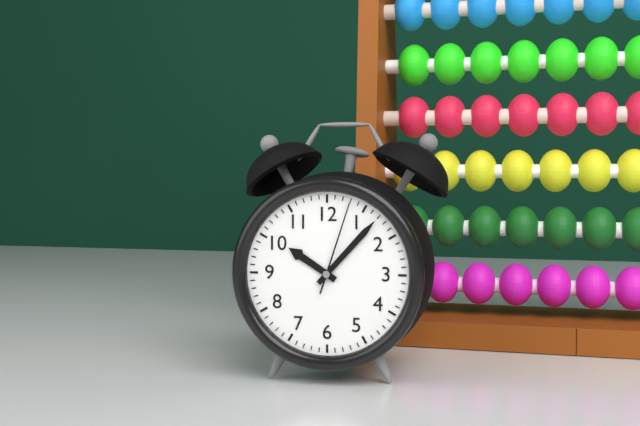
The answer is 10h07m03s
